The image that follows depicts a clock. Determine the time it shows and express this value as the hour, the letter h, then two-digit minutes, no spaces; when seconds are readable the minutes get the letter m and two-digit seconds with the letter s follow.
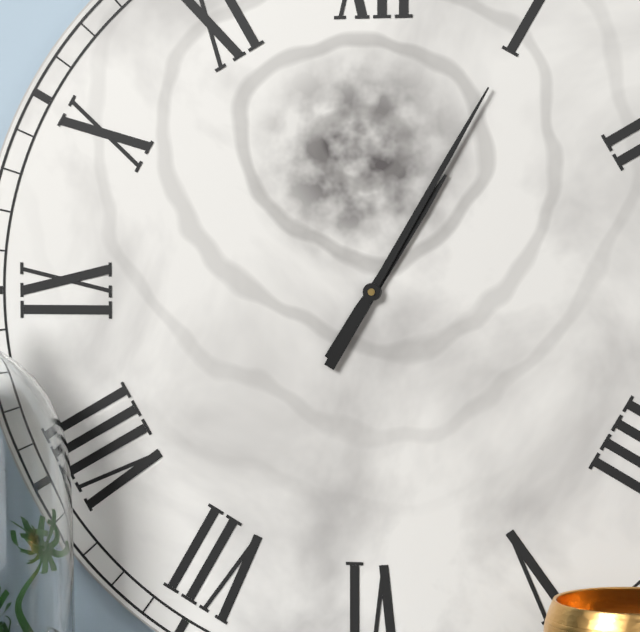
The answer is 1h05
